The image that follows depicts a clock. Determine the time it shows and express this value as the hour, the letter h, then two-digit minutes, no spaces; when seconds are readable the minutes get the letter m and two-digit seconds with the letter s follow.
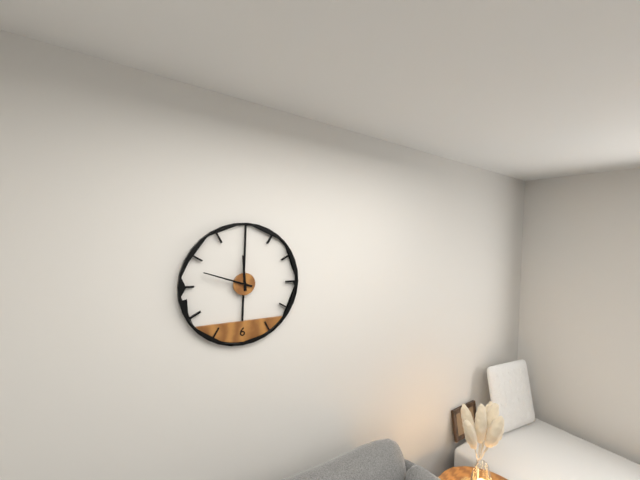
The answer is 11h48
